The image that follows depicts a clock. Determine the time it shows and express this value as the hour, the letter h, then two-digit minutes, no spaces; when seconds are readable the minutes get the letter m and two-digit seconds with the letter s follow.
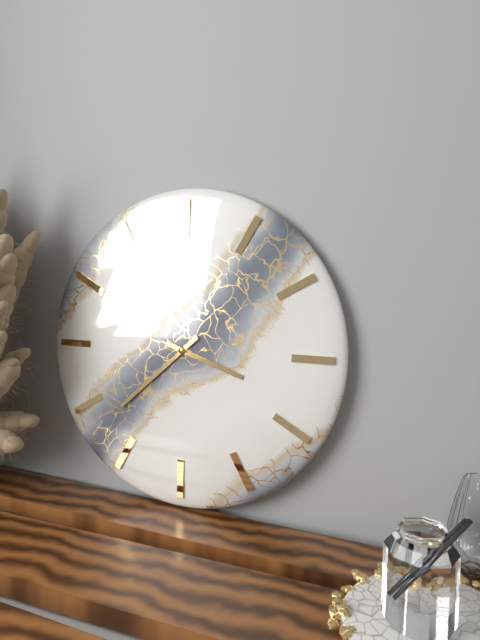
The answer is 3h38
